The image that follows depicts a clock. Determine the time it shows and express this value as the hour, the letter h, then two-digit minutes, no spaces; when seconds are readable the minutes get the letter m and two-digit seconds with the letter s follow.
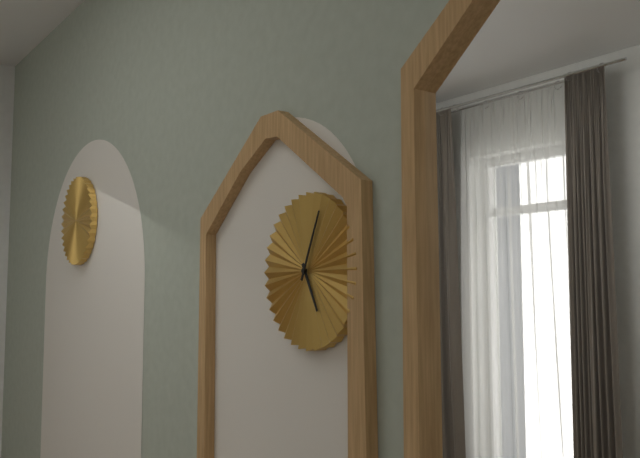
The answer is 5h04
